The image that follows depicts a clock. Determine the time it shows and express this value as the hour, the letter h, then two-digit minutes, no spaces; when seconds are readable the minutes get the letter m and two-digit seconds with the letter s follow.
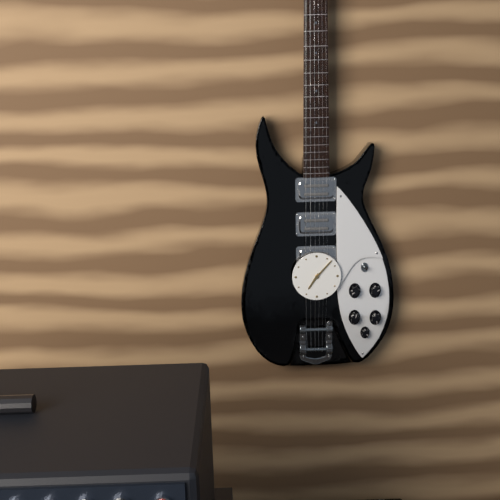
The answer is 7h07
